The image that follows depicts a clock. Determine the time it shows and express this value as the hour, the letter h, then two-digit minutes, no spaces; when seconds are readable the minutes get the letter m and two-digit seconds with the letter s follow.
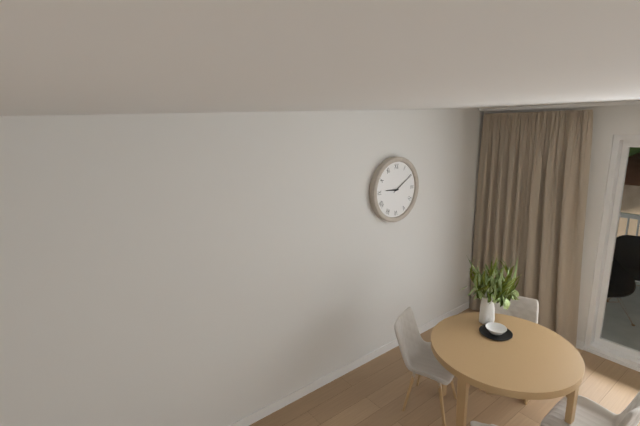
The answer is 9h10
